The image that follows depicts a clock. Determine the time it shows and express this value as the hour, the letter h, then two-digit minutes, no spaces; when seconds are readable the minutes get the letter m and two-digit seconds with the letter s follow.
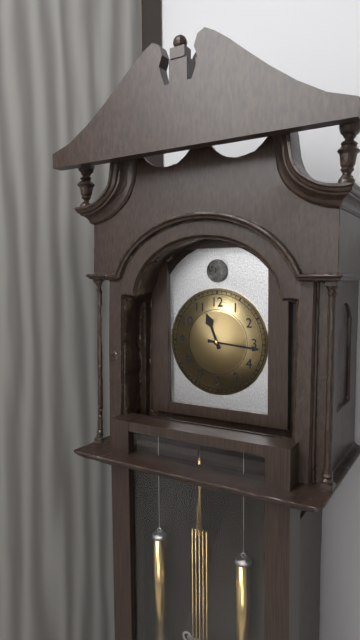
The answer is 11h16
